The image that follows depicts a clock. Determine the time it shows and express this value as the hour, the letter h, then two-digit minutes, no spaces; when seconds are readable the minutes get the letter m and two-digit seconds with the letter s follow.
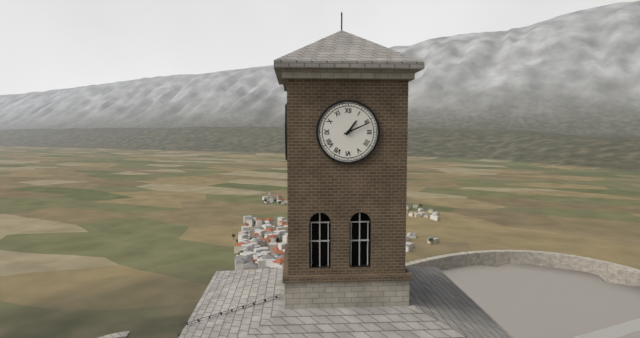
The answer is 1h11
